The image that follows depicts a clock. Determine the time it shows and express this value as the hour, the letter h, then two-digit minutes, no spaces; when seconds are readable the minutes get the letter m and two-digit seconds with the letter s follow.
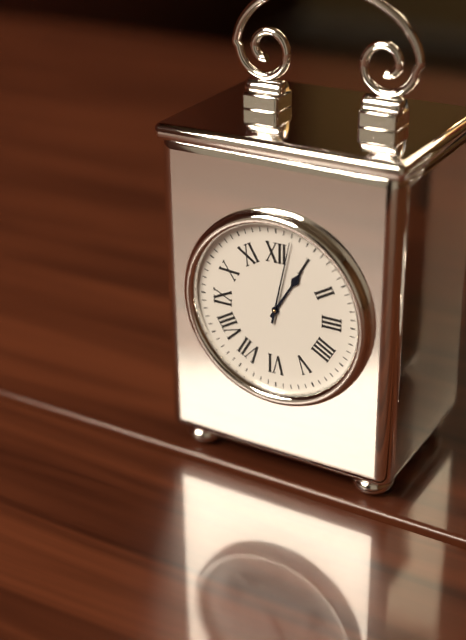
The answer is 1h02
